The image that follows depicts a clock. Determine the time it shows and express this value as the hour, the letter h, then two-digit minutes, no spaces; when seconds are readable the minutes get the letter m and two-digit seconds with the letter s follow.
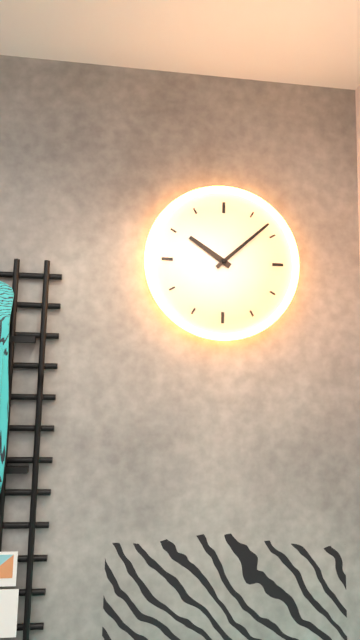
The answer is 10h08
